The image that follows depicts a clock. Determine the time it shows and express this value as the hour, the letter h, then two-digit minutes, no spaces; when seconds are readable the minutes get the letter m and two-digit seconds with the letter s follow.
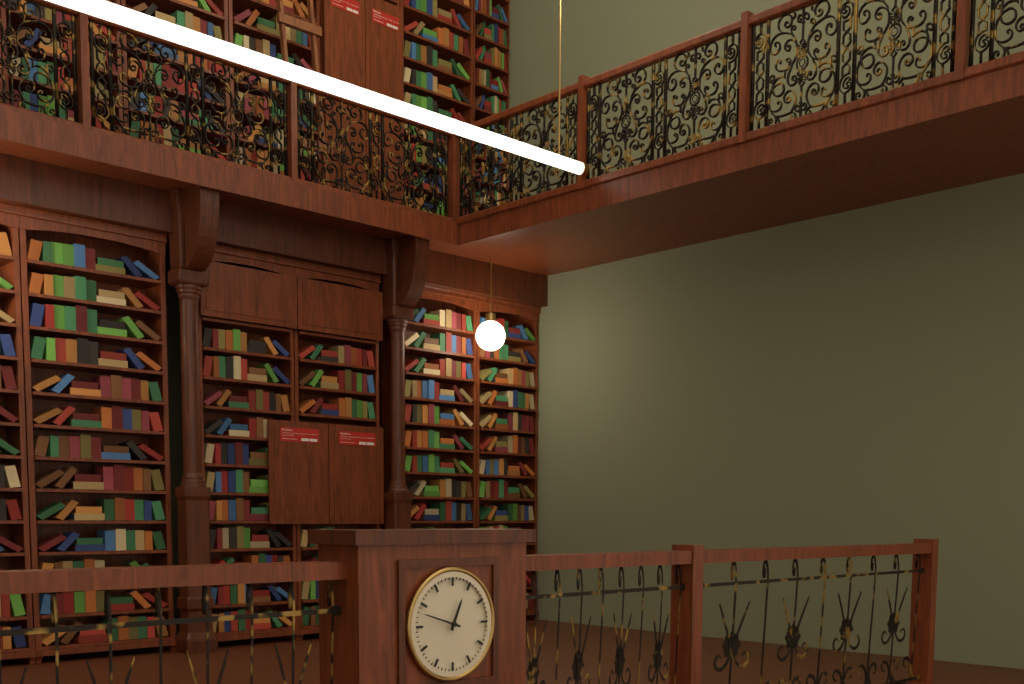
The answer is 12h48
